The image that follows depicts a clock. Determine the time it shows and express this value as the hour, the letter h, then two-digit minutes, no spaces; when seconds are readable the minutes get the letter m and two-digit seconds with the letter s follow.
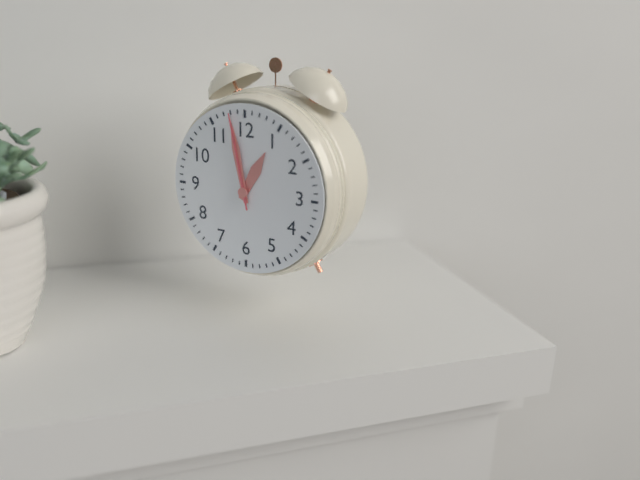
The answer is 12h58m58s
